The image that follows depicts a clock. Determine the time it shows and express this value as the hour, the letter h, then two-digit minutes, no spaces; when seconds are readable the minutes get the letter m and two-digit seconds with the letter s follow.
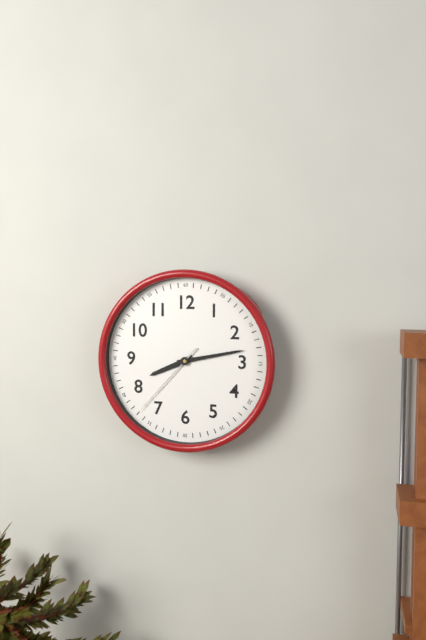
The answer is 8h13m37s
